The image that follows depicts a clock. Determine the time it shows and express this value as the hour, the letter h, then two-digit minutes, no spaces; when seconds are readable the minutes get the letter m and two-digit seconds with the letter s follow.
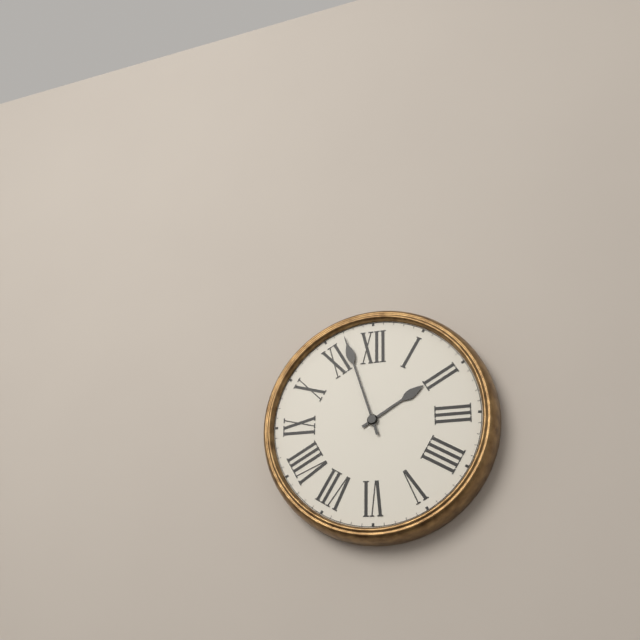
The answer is 1h57
